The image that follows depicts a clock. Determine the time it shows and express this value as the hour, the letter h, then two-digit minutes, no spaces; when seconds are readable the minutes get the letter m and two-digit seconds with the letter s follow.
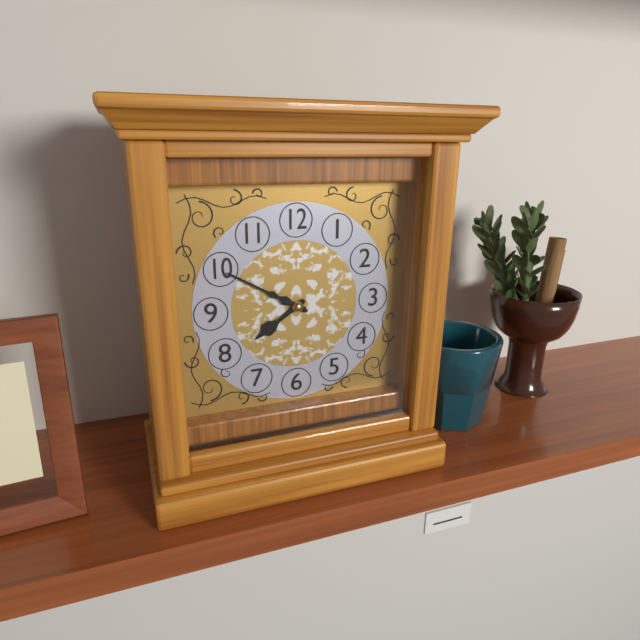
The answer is 7h50
